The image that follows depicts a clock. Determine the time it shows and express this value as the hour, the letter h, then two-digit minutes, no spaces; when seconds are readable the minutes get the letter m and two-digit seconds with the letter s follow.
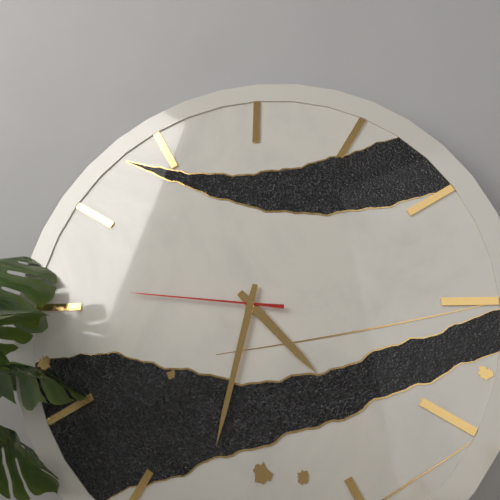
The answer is 4h32m46s
